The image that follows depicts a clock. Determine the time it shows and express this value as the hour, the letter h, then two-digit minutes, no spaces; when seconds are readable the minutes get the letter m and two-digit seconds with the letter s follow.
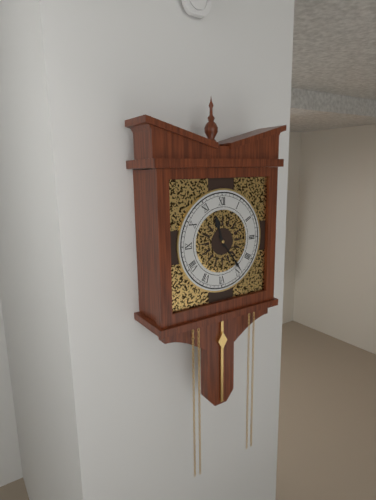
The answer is 11h24
